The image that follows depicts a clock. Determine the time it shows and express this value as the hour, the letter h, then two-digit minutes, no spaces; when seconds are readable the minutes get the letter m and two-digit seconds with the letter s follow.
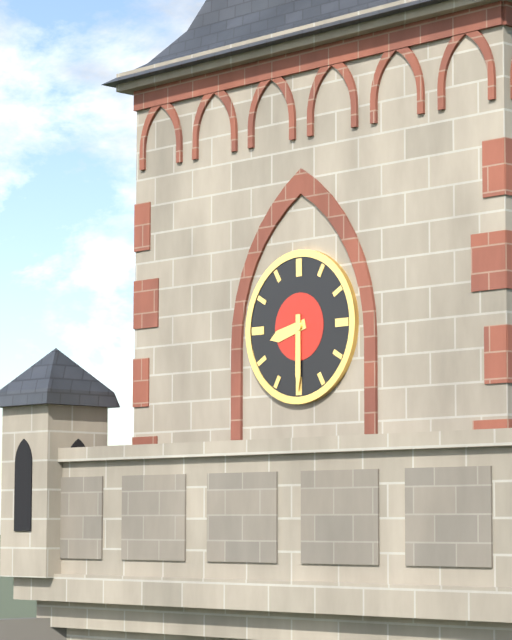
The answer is 8h30
